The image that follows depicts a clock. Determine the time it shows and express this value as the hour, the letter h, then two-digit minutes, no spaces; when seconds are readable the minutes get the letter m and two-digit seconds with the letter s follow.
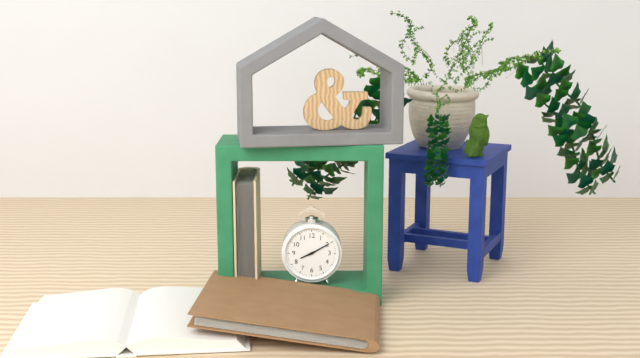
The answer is 8h10
